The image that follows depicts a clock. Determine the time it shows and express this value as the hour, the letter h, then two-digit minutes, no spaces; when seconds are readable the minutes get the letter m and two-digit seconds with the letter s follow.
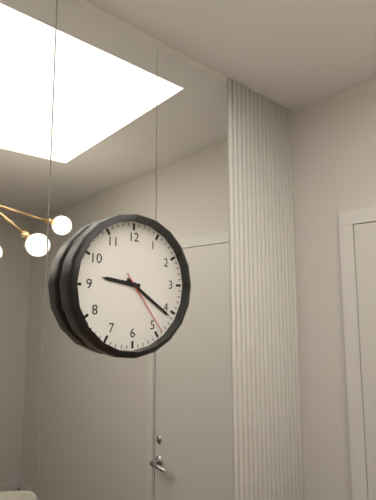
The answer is 9h21m24s
